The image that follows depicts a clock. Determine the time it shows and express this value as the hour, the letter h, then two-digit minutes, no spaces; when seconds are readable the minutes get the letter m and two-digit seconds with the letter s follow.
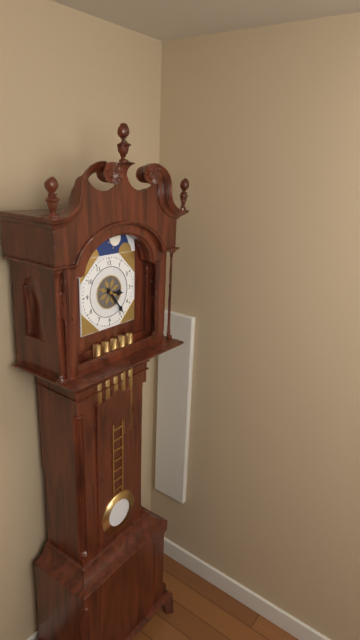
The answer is 3h24
